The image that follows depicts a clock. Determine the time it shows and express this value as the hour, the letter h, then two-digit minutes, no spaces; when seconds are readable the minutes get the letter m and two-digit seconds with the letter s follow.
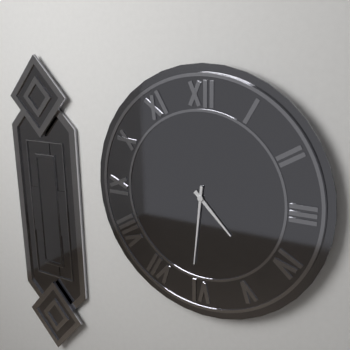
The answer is 4h31
